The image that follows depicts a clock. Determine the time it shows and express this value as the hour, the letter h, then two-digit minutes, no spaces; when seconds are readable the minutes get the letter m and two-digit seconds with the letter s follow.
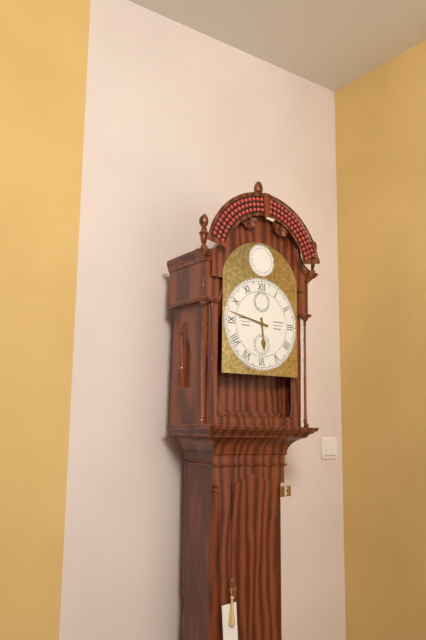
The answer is 5h47
